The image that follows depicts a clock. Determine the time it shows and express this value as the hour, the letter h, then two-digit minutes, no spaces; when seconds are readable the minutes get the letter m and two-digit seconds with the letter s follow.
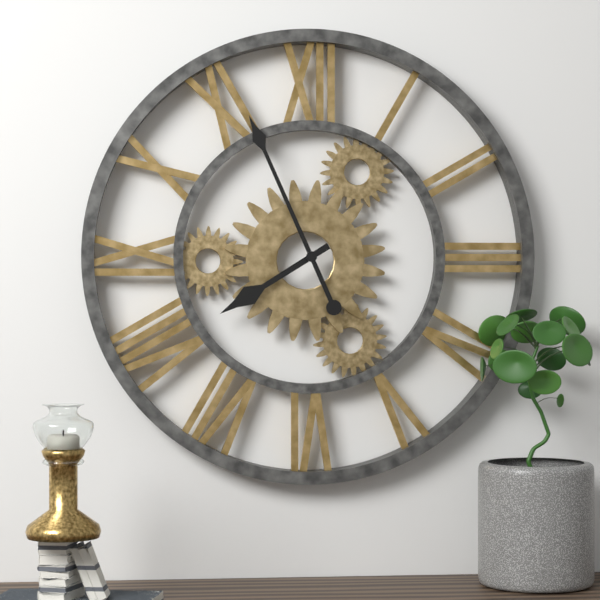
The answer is 7h56
